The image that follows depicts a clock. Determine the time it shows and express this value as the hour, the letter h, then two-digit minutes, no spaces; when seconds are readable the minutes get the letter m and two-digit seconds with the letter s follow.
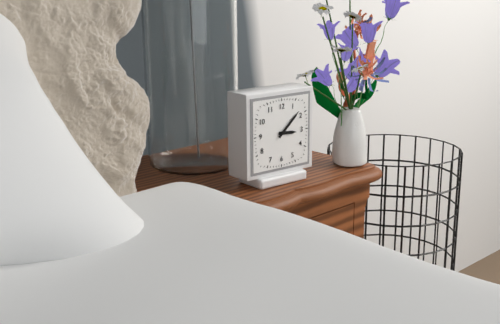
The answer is 3h08
